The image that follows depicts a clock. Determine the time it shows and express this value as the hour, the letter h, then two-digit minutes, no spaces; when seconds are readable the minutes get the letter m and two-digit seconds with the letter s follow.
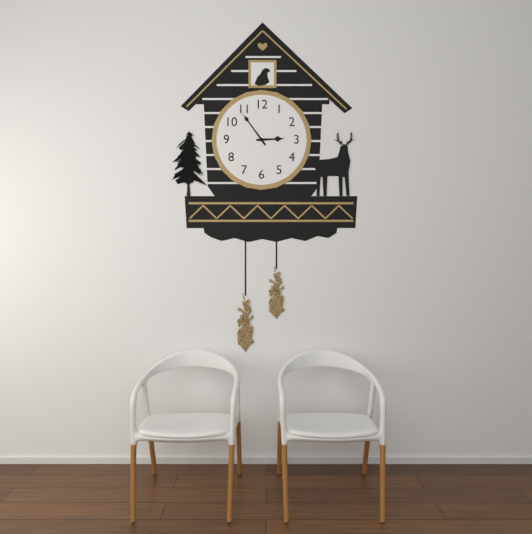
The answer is 2h54
